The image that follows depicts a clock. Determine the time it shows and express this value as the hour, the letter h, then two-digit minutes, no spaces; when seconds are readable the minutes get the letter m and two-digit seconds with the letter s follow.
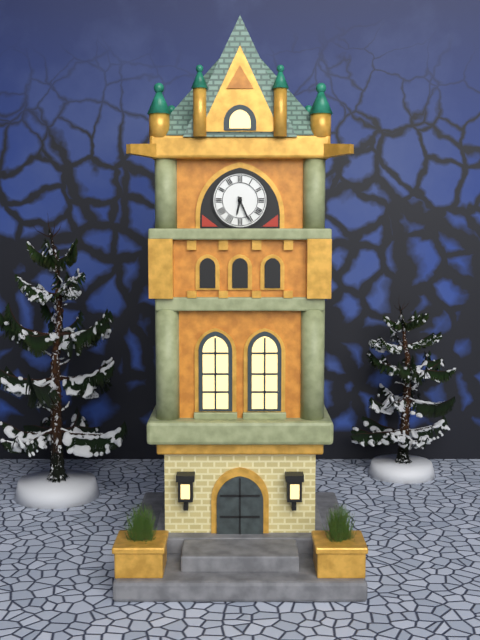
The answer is 6h26
